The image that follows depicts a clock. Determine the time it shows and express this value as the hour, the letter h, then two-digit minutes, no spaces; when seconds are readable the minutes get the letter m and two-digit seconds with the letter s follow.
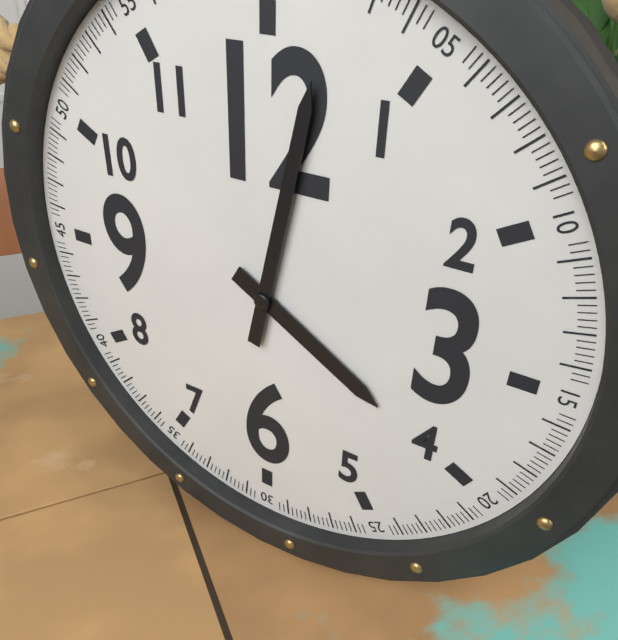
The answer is 4h02
